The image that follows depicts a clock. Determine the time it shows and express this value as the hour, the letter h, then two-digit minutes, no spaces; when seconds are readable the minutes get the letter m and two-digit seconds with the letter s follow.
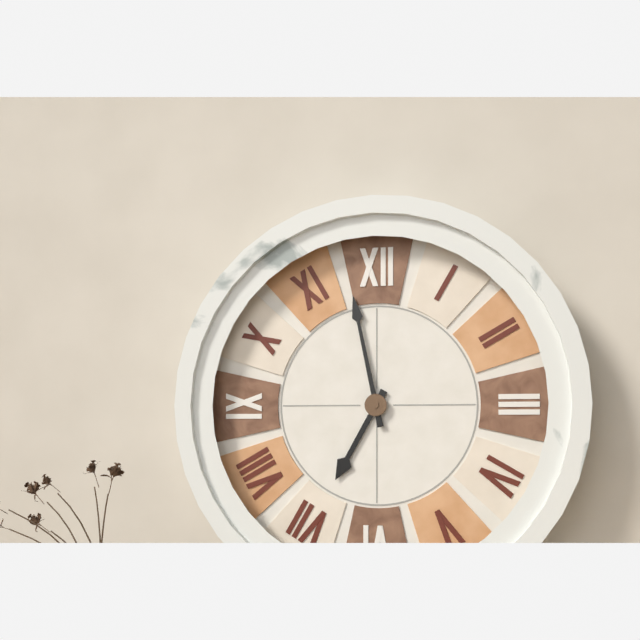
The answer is 6h58
